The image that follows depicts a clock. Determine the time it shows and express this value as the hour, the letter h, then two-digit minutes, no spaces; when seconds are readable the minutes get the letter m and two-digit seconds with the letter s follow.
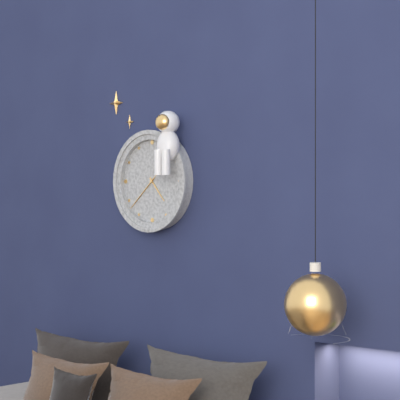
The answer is 4h38
